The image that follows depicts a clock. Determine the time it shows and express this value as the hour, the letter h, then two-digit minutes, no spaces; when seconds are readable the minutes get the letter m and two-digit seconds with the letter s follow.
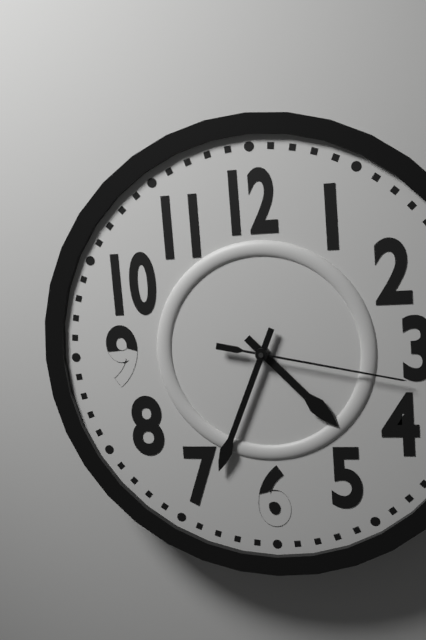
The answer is 4h34m17s
